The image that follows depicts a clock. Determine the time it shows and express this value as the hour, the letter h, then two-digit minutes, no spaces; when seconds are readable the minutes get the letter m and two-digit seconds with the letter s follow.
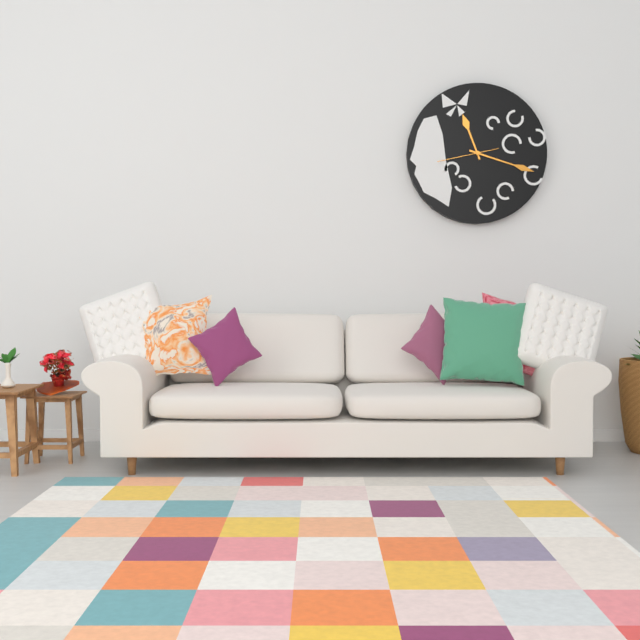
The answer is 11h18m43s
